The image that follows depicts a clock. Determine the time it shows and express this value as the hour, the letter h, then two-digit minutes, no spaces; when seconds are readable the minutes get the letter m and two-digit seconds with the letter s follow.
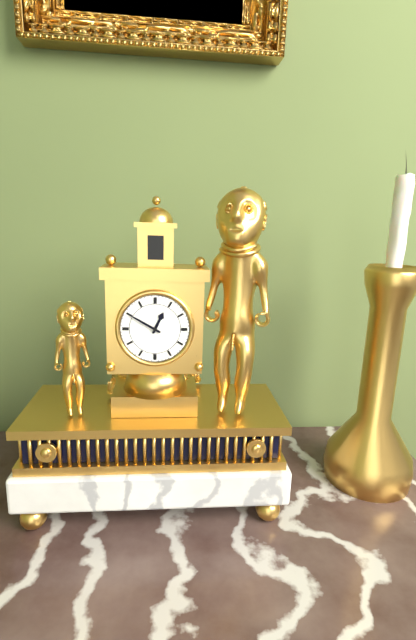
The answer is 12h50
